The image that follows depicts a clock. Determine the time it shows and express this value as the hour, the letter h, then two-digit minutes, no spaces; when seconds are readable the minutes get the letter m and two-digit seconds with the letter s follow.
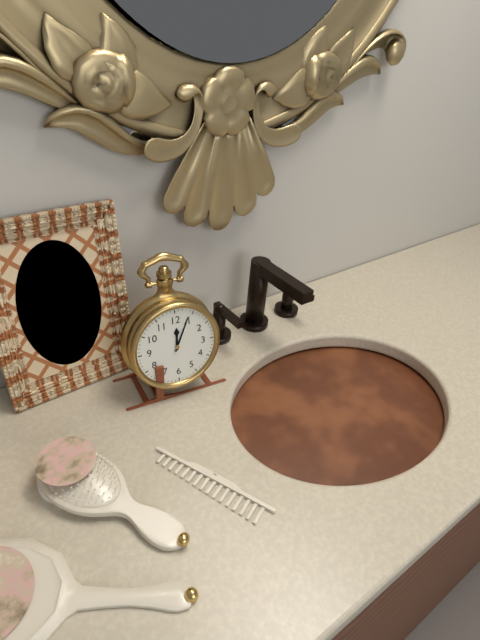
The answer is 12h04
